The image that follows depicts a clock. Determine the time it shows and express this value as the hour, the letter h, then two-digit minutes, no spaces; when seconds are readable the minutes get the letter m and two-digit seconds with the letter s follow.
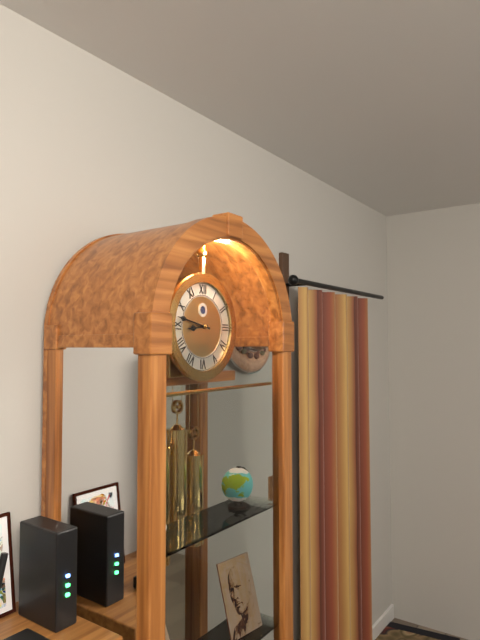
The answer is 8h47
